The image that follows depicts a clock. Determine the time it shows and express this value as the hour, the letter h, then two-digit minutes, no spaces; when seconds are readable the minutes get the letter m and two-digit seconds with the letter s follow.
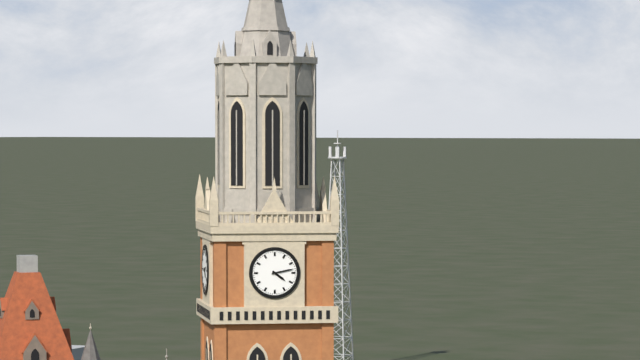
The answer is 4h13
